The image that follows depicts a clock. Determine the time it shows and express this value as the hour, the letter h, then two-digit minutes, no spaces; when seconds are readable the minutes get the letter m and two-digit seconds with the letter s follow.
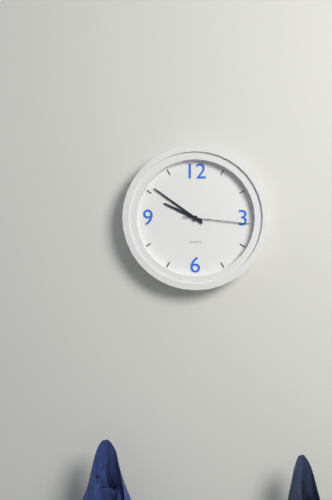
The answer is 9h51m16s
